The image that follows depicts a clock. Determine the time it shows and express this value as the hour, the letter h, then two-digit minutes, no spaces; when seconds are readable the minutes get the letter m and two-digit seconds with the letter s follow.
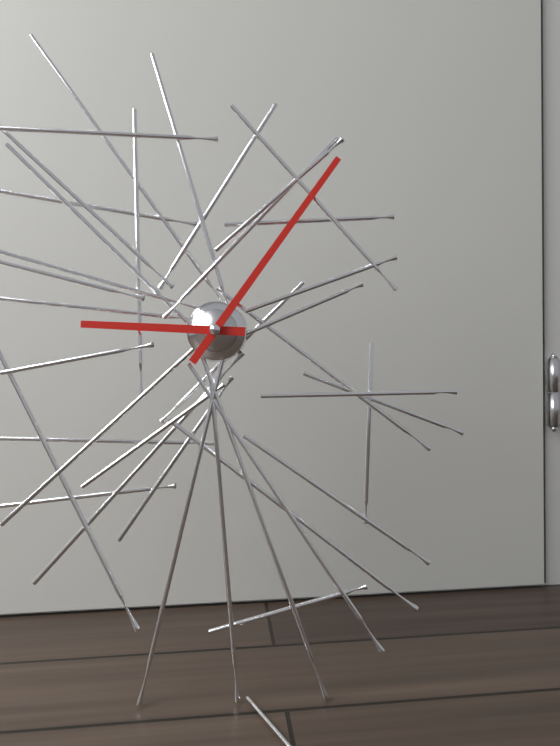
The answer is 9h06
